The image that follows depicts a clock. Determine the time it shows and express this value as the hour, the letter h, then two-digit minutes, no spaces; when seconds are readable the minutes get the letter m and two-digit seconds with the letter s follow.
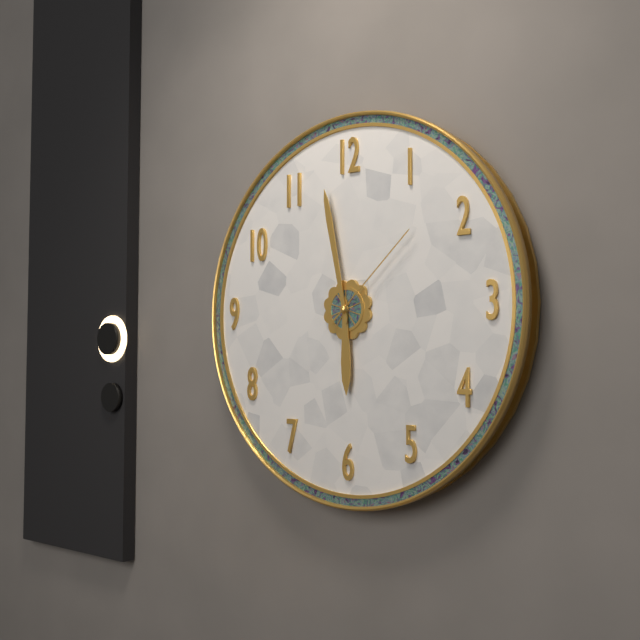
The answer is 5h58m08s
